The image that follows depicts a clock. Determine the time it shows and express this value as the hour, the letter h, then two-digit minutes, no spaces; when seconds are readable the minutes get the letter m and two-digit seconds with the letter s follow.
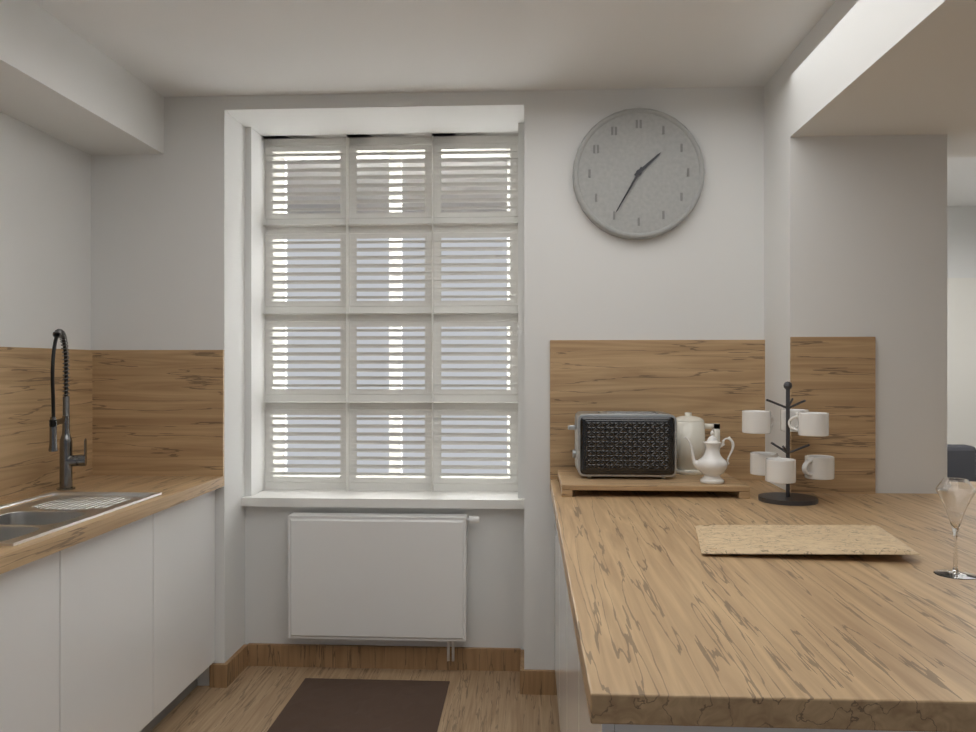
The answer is 1h35
